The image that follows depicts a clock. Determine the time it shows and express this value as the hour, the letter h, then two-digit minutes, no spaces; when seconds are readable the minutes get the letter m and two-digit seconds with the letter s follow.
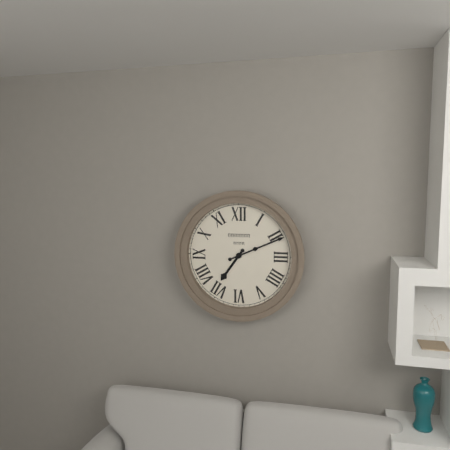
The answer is 7h11
